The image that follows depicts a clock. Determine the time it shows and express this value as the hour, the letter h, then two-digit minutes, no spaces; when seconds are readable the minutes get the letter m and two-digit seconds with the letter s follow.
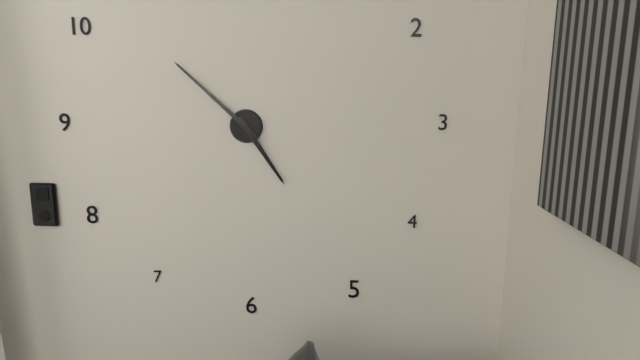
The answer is 4h52
